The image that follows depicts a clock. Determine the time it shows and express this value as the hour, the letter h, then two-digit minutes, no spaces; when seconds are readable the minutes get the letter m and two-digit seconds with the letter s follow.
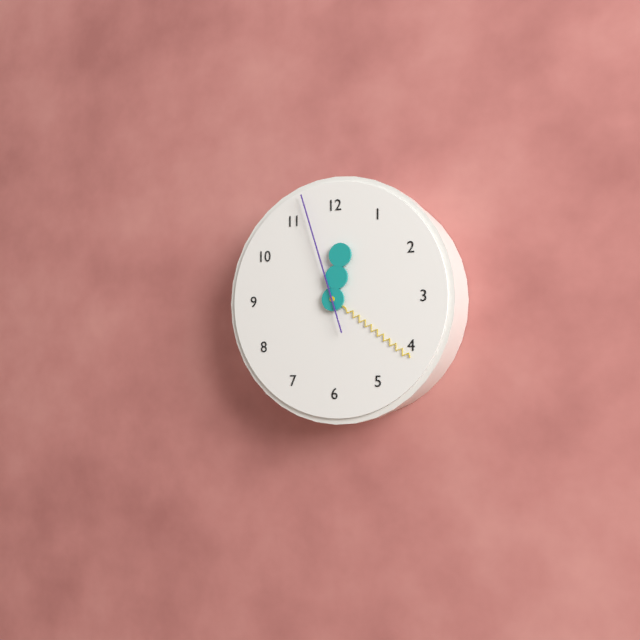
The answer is 12h21m57s
